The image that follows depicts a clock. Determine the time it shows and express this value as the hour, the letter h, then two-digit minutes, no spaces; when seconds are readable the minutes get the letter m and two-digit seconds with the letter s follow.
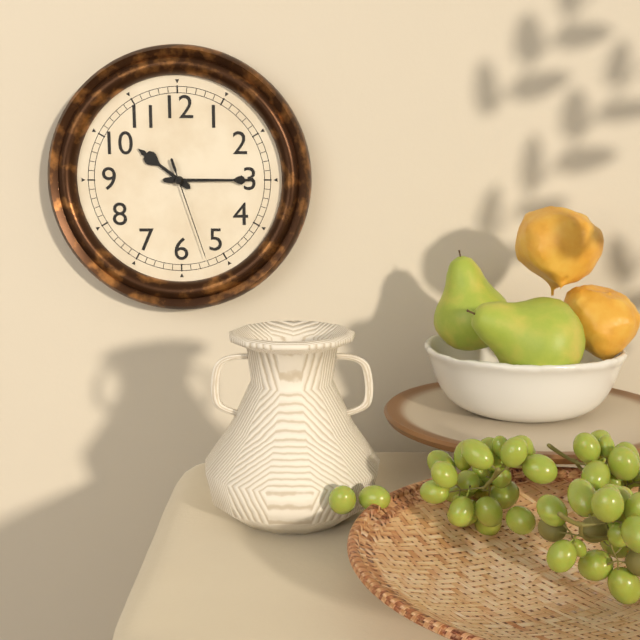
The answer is 10h15m27s
